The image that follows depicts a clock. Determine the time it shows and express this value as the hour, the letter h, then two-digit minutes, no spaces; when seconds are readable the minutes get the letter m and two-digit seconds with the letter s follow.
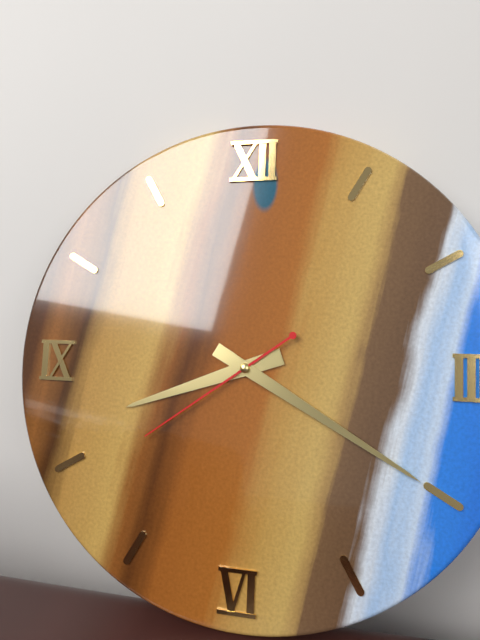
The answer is 8h20m39s
